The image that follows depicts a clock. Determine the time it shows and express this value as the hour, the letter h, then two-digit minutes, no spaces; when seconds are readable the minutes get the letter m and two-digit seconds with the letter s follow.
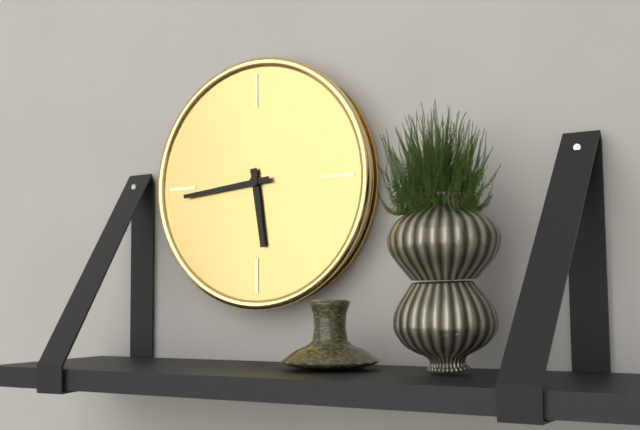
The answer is 5h44
